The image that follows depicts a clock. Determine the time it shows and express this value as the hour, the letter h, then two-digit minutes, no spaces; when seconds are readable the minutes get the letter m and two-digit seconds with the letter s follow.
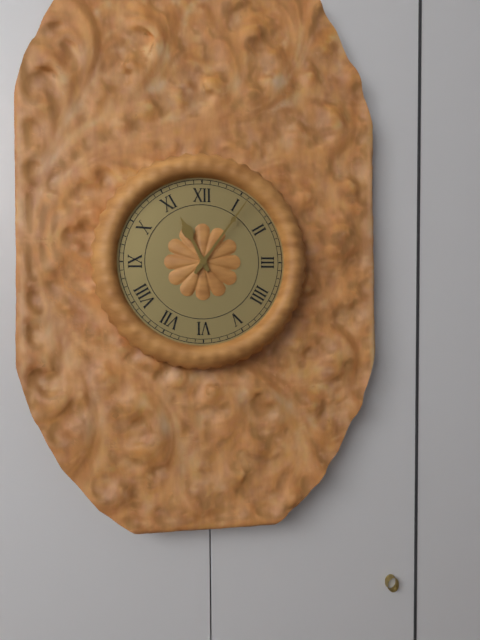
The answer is 11h06
